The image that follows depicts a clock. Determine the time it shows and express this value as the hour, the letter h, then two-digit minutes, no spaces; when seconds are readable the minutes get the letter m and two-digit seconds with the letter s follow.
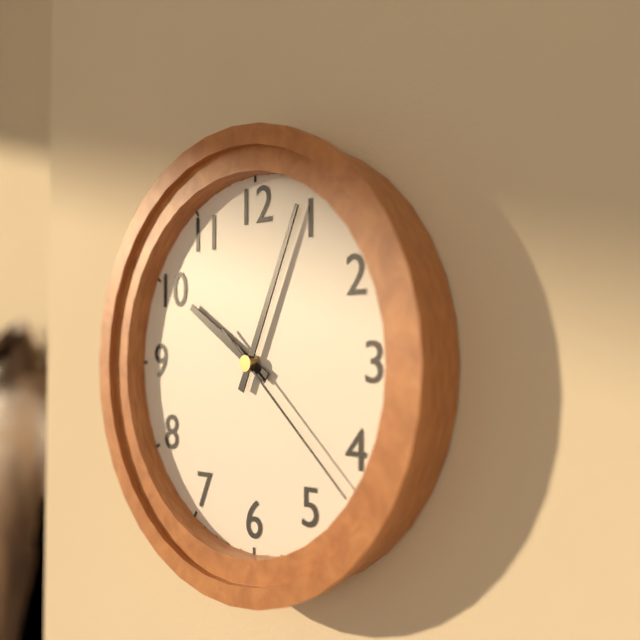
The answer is 10h04m22s
